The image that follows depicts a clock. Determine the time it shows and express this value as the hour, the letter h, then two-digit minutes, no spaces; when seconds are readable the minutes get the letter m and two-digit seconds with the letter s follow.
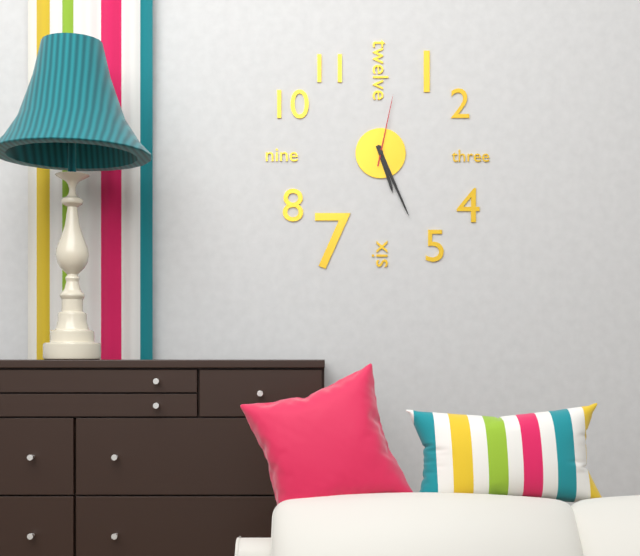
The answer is 5h26m02s
